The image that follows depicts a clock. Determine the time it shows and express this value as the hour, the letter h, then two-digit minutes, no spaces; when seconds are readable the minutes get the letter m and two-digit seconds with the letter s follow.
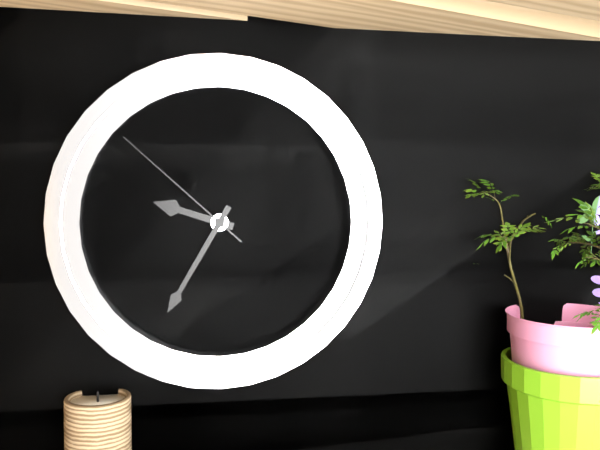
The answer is 9h35m52s
